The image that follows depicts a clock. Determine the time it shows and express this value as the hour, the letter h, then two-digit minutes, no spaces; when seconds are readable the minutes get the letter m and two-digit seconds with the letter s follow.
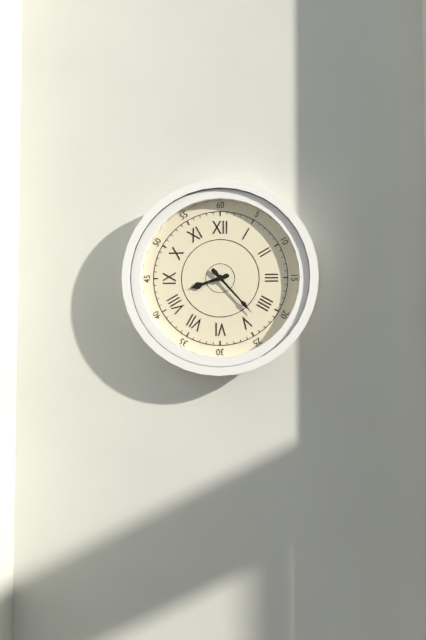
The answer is 8h23
